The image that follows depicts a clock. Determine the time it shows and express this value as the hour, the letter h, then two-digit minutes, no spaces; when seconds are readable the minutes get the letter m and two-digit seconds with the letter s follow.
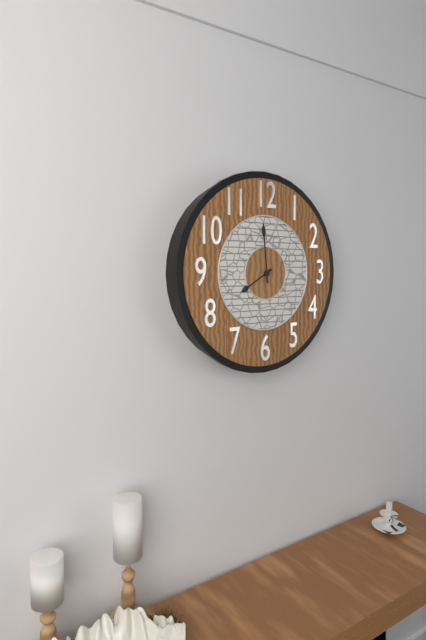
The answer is 7h59
